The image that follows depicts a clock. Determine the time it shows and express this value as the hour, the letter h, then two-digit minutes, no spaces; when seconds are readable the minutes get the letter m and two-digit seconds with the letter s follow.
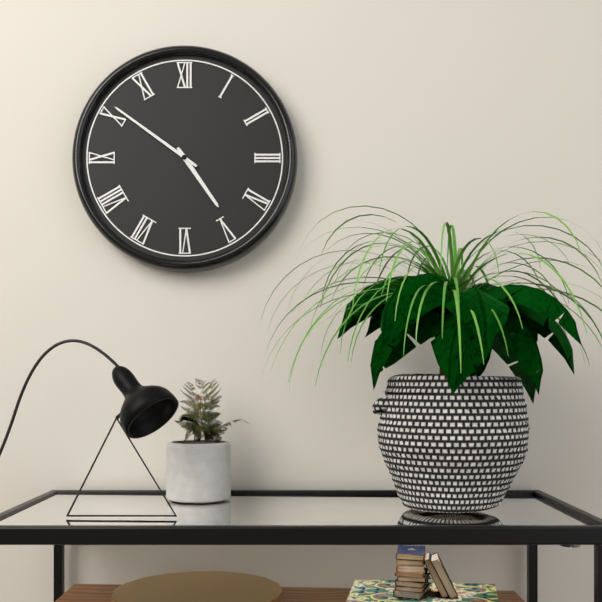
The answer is 4h51
